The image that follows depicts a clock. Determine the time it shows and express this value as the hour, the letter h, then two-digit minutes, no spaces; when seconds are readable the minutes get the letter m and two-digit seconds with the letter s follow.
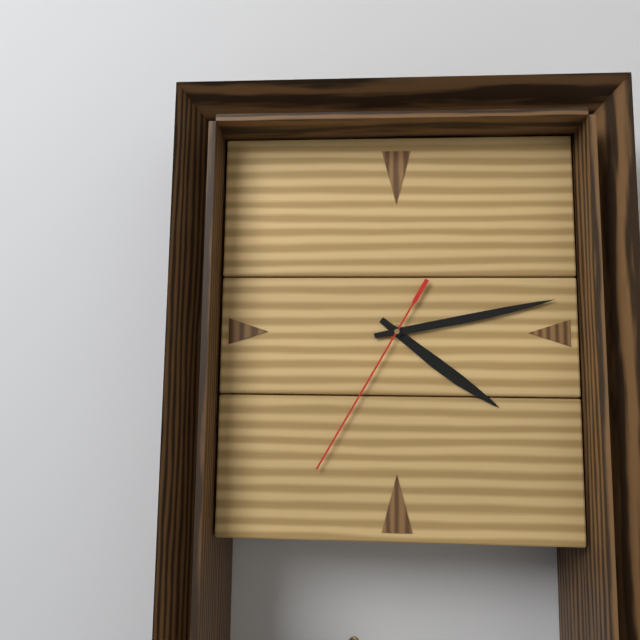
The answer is 4h13m35s
